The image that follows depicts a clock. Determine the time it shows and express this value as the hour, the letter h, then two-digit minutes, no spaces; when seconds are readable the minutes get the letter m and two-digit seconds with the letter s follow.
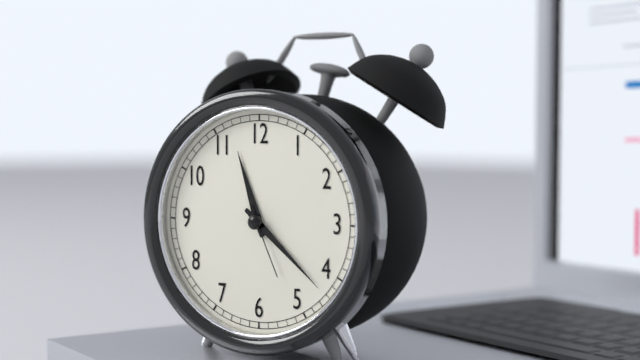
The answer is 11h22m26s
